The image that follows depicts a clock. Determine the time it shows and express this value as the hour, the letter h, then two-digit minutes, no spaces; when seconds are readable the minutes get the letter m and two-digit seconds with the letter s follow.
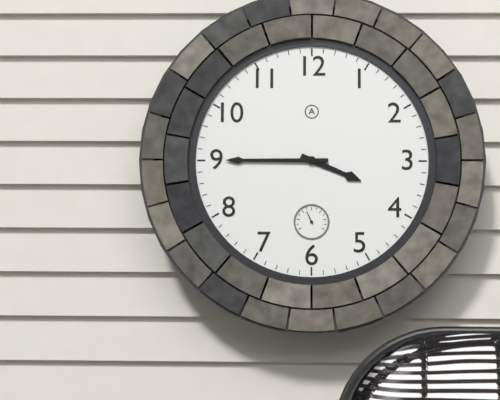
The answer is 3h45
